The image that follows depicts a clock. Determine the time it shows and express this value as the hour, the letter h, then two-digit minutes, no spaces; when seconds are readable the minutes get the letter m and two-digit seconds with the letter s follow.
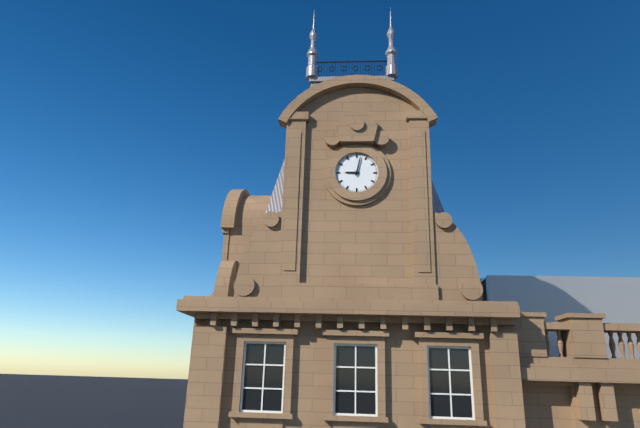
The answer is 9h02
